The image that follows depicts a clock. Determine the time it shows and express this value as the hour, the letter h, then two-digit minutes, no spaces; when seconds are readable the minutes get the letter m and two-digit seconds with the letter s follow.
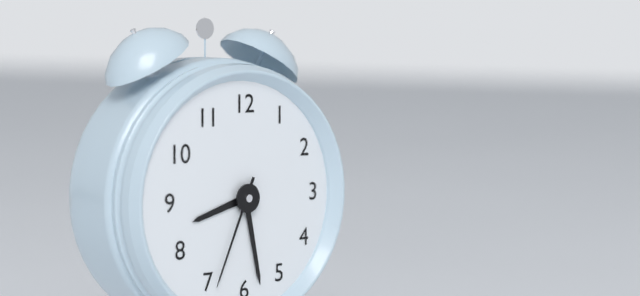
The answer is 8h28m34s
